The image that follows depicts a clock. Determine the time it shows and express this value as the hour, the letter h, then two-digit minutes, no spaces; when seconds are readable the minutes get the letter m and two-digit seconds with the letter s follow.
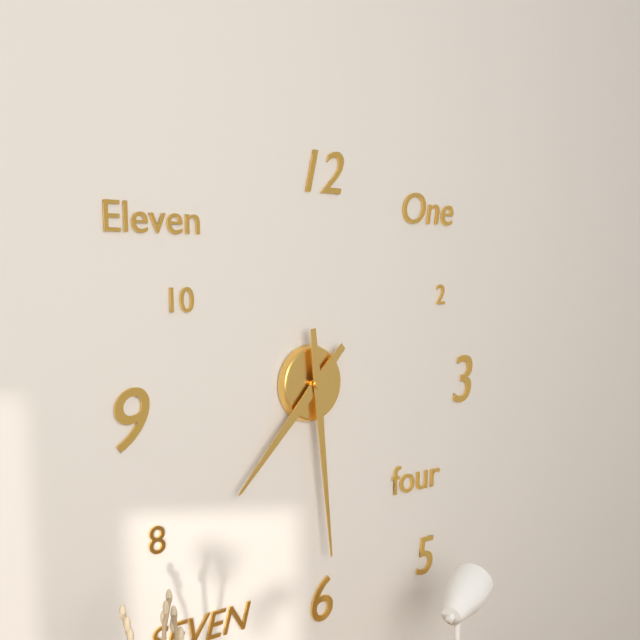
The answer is 7h29
